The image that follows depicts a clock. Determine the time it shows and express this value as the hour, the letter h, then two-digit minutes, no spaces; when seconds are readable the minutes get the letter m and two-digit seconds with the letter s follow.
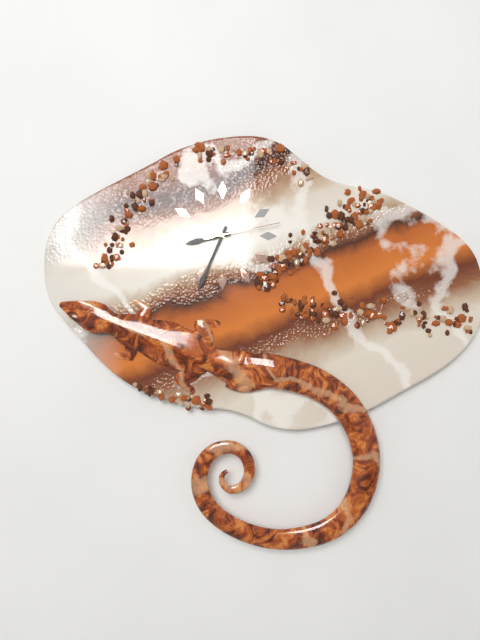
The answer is 8h34m13s
